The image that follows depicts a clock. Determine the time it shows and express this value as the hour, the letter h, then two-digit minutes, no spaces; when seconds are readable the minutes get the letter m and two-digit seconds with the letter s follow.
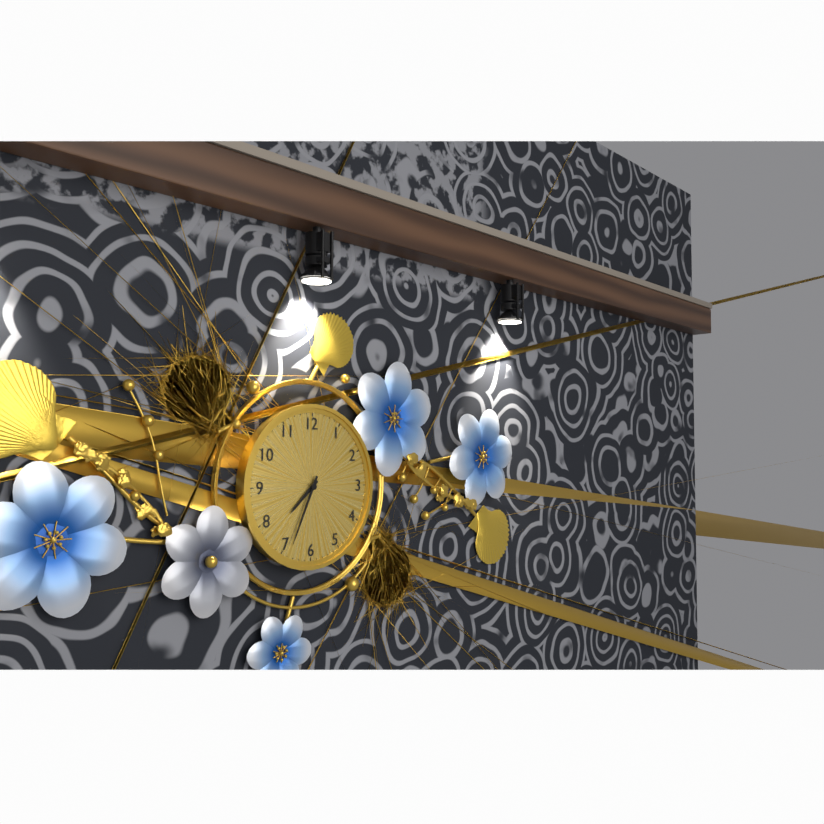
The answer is 7h34
